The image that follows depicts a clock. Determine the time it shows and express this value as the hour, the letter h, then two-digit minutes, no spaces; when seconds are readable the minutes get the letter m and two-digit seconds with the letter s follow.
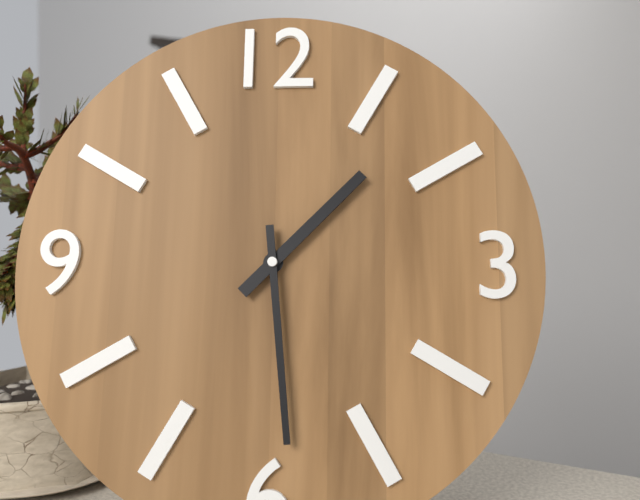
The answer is 1h29
